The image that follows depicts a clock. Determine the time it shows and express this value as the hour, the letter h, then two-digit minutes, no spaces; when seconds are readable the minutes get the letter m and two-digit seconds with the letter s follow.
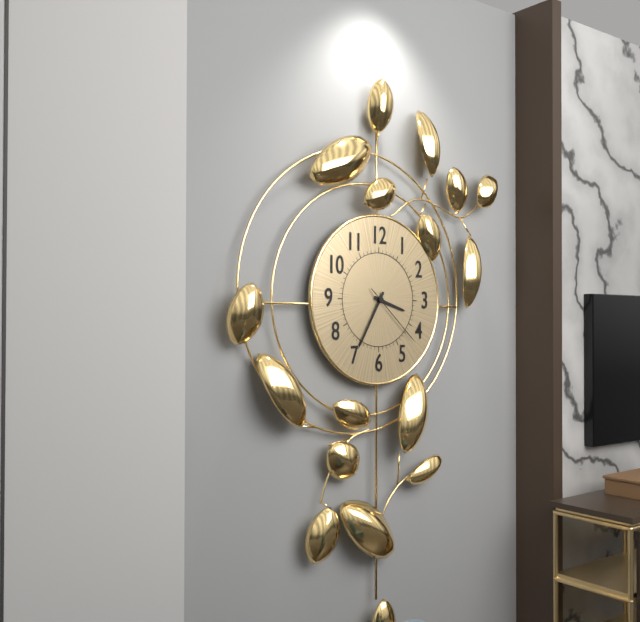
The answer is 3h35m22s
